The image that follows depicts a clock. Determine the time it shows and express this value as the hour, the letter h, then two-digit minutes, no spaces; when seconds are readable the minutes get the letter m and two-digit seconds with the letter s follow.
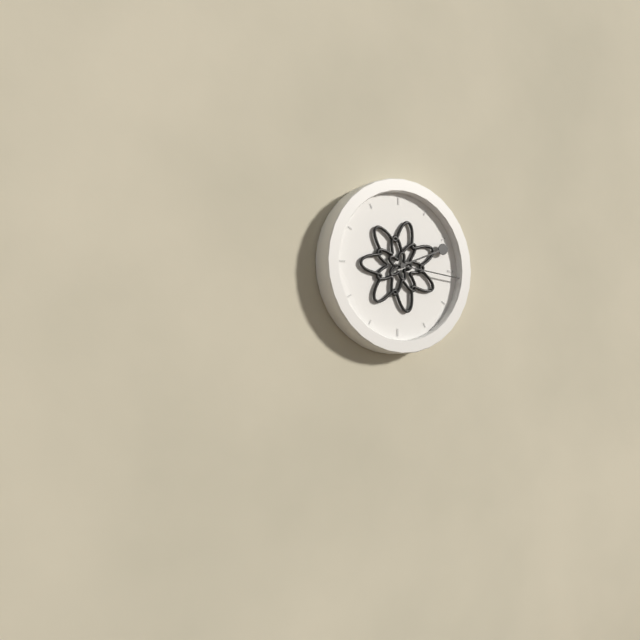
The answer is 2h16
